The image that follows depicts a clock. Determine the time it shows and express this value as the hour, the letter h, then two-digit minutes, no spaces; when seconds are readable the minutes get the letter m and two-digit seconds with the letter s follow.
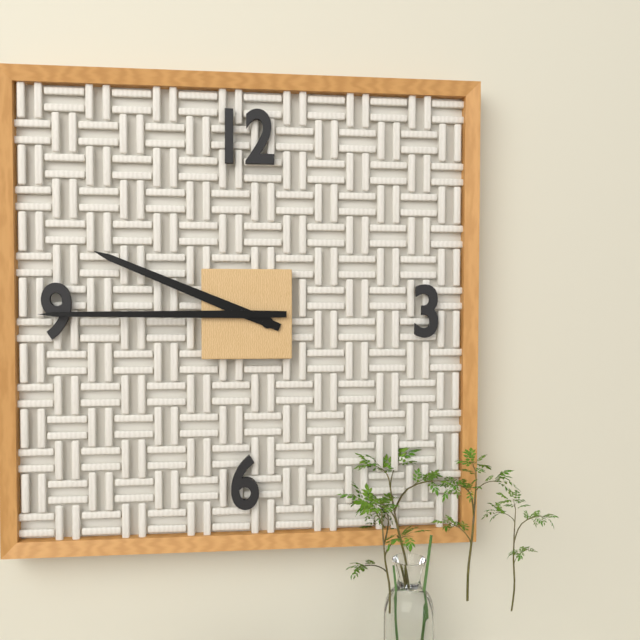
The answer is 9h45
